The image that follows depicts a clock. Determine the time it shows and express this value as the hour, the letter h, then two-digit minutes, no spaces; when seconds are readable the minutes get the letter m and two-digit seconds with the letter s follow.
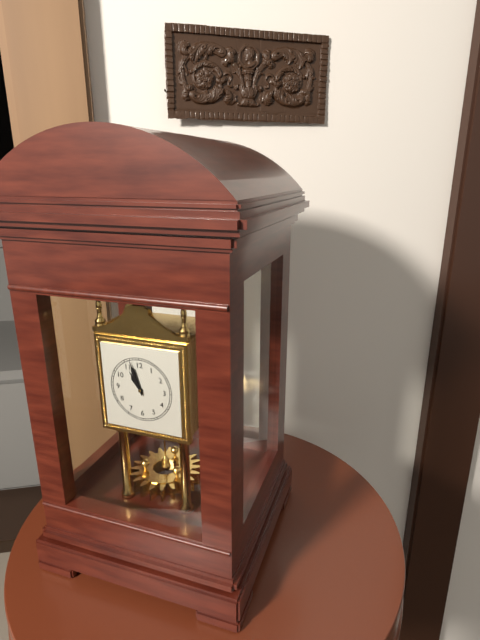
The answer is 10h57
